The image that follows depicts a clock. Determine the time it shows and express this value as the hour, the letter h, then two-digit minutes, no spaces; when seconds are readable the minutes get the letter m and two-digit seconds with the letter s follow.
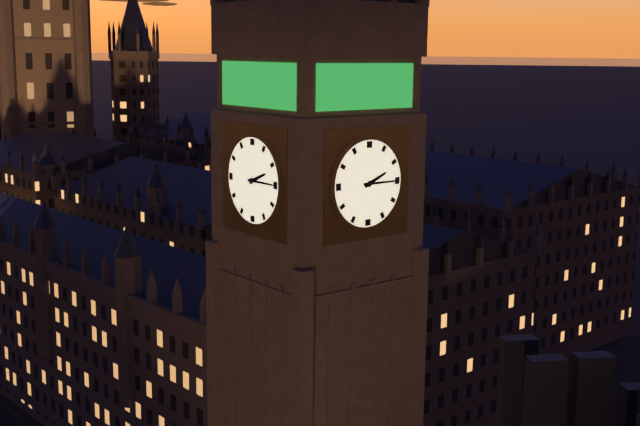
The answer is 2h15
